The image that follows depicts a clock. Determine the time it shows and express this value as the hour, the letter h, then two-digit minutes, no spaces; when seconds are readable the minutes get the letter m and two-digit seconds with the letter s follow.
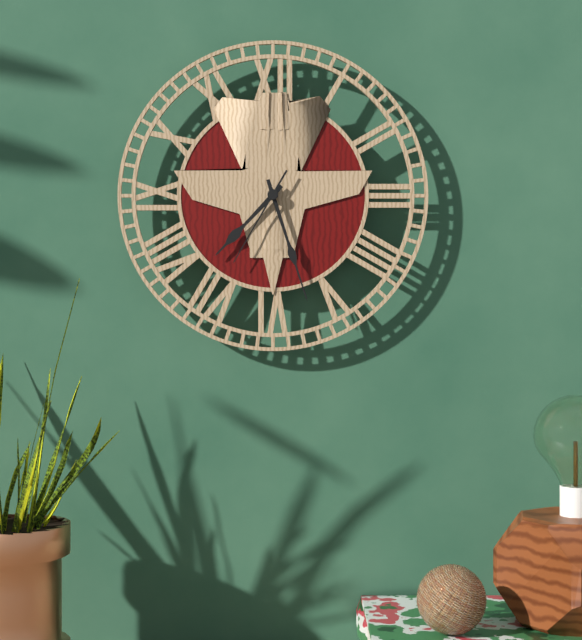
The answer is 7h27m35s
